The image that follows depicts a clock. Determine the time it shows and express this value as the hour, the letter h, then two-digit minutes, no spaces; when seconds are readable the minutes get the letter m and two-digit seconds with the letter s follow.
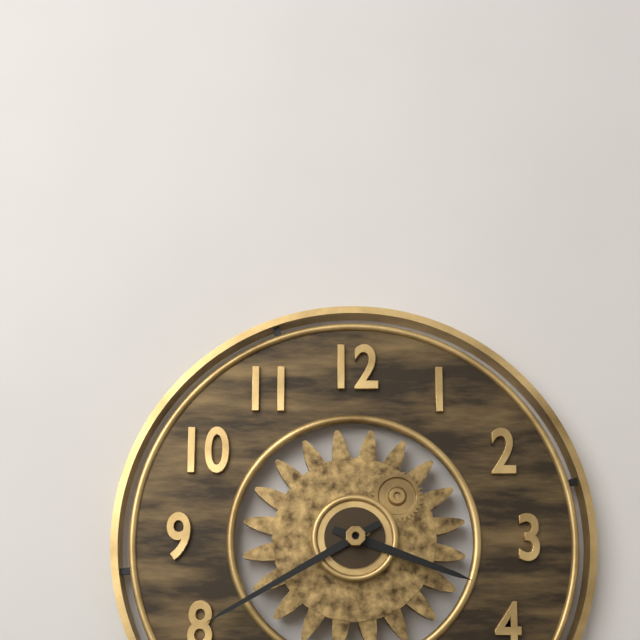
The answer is 3h40
